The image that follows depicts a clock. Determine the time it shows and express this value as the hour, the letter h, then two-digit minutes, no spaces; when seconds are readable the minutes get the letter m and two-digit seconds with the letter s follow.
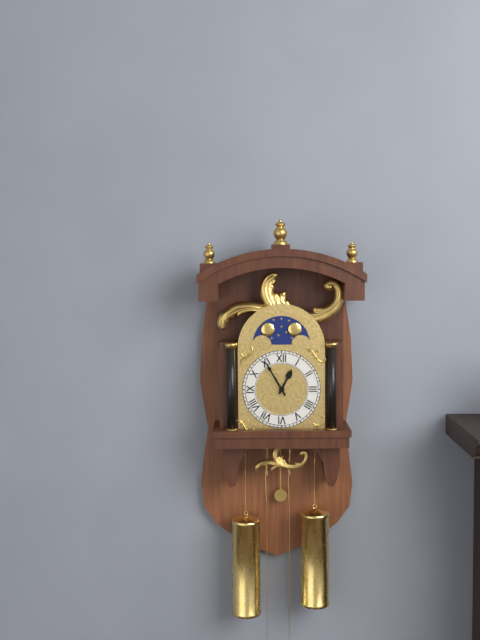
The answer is 12h55
